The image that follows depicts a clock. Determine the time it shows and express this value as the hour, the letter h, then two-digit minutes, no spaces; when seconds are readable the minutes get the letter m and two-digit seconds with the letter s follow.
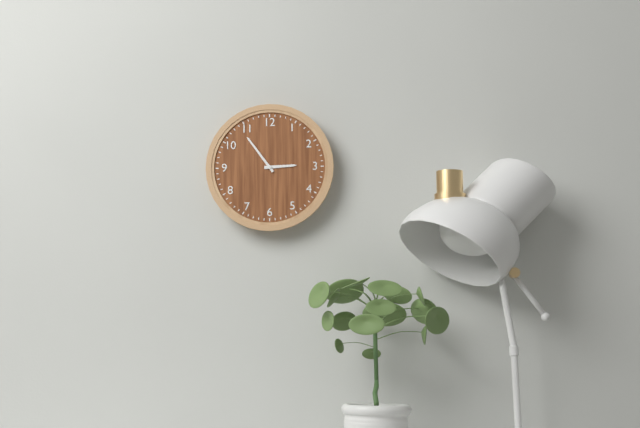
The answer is 2h54
